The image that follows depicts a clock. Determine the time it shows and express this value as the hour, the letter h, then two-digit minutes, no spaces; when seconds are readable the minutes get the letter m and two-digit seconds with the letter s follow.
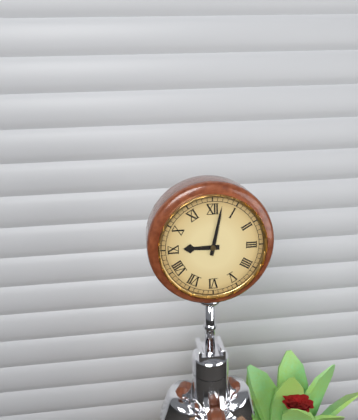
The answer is 9h02
